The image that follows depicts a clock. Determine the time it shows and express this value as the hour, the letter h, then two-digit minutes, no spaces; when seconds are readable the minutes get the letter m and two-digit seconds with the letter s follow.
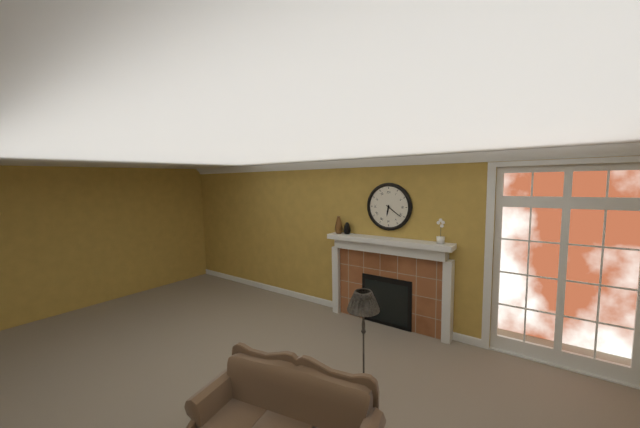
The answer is 6h21
